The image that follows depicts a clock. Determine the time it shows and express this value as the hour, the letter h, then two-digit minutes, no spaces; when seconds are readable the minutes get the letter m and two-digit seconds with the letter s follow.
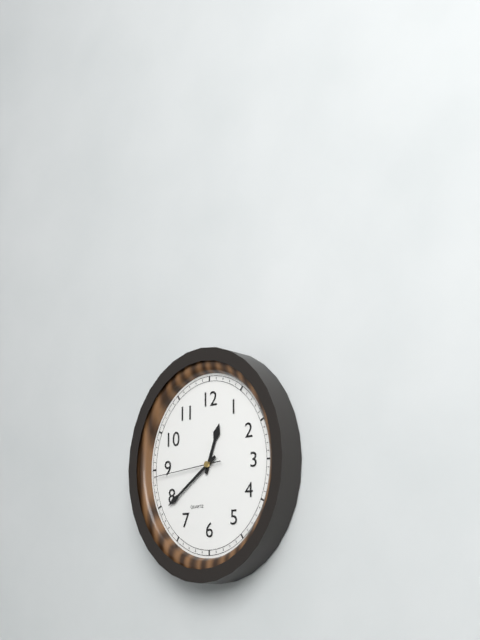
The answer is 12h39m44s
